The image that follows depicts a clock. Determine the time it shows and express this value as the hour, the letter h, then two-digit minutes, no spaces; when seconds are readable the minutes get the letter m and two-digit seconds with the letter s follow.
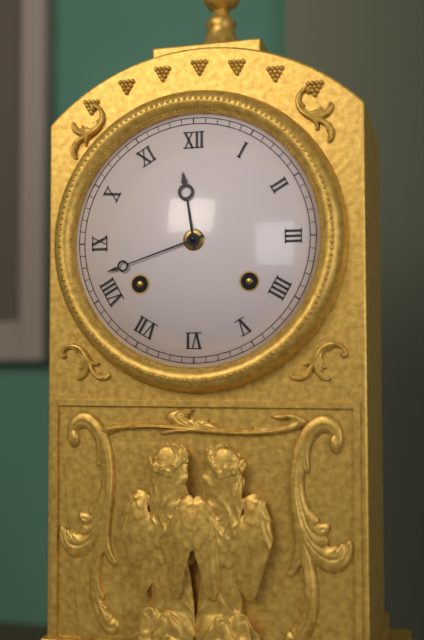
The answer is 11h42
